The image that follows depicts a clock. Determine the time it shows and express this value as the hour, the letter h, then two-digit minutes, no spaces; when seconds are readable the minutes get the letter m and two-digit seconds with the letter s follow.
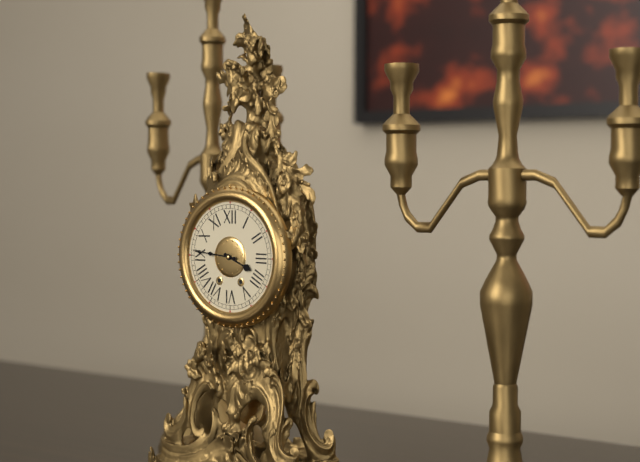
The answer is 3h46
